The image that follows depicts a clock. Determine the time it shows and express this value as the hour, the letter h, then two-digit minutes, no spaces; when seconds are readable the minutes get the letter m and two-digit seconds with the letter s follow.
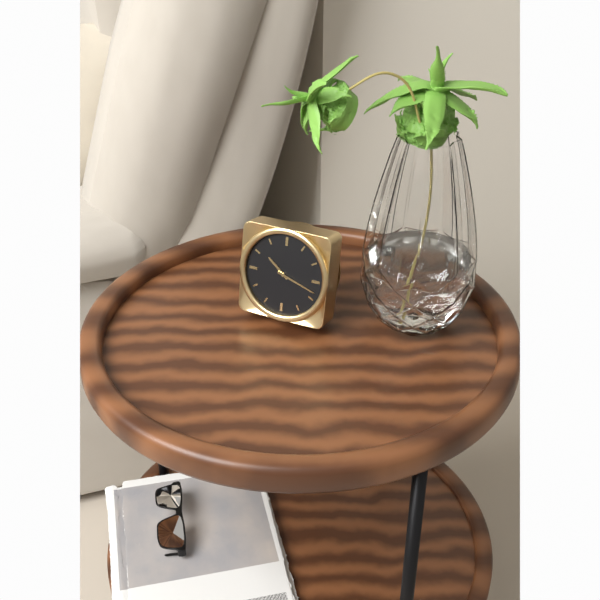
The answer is 10h18
